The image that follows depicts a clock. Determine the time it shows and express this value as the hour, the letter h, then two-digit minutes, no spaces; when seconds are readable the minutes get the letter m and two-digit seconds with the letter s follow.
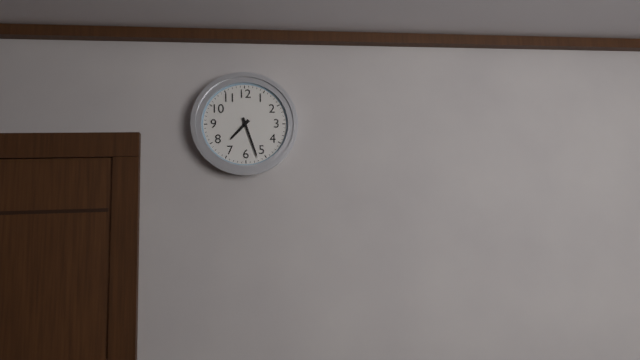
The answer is 7h27
